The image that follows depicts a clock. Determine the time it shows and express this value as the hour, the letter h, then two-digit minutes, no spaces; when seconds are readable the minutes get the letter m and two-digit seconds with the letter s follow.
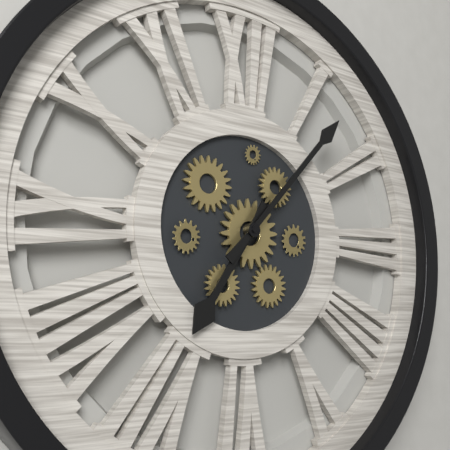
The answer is 7h07
